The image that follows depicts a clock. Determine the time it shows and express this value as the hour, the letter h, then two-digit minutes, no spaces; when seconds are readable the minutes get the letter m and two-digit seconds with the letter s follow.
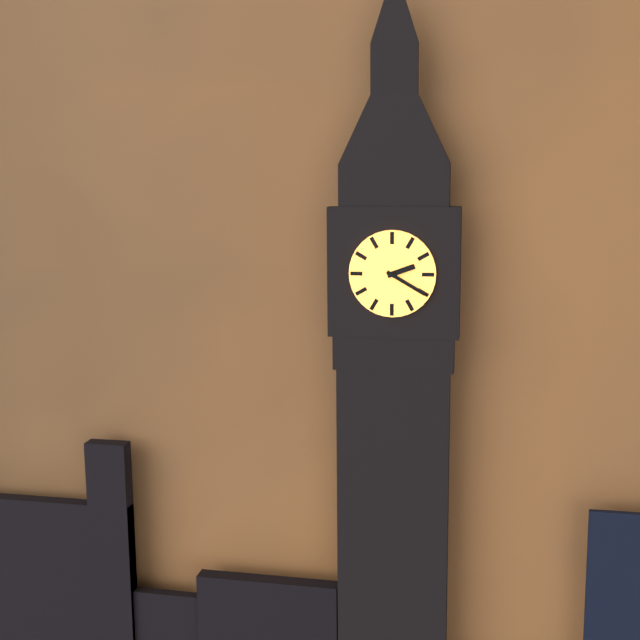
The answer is 2h20
